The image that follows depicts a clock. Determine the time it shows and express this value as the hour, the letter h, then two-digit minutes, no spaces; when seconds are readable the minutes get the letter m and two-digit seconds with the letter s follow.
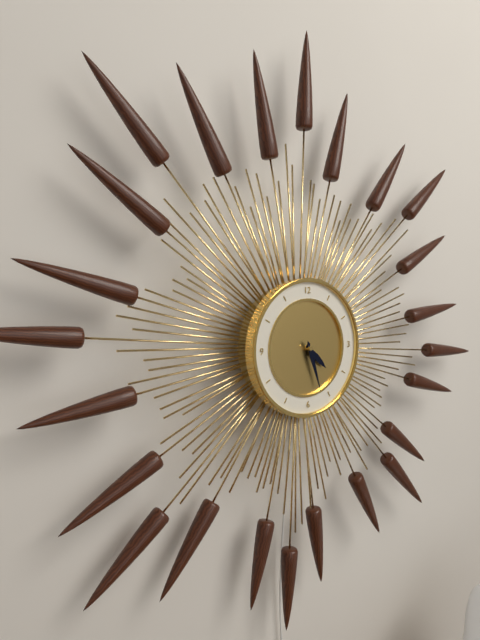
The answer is 4h27
